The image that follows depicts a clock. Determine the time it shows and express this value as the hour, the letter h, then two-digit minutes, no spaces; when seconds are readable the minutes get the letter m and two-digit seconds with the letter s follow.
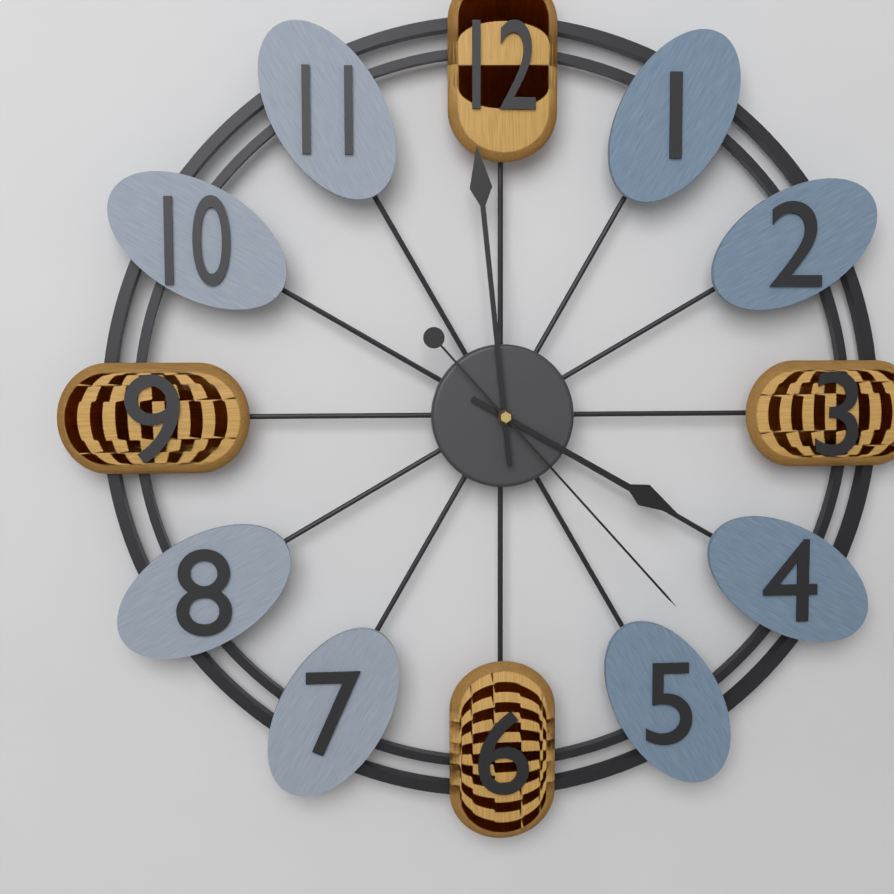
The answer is 3h59m23s
